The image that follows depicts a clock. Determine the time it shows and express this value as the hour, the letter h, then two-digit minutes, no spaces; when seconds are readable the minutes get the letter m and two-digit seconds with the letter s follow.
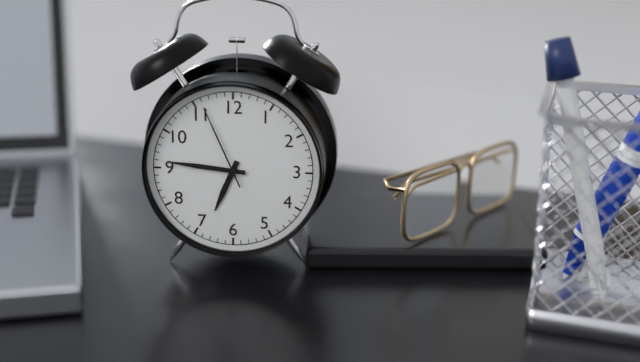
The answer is 6h46m56s
